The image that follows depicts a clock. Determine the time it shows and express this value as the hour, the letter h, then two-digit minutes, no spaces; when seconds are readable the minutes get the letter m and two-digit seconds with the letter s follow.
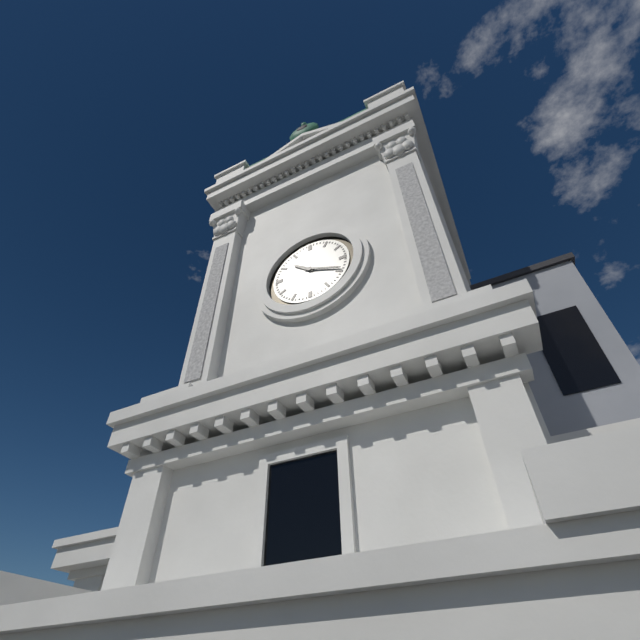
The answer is 10h19
